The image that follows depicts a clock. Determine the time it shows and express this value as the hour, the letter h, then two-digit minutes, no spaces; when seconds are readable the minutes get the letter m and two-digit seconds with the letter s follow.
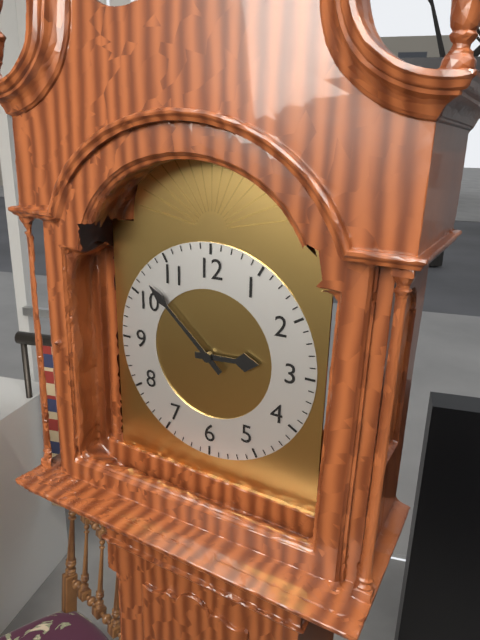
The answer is 2h52
